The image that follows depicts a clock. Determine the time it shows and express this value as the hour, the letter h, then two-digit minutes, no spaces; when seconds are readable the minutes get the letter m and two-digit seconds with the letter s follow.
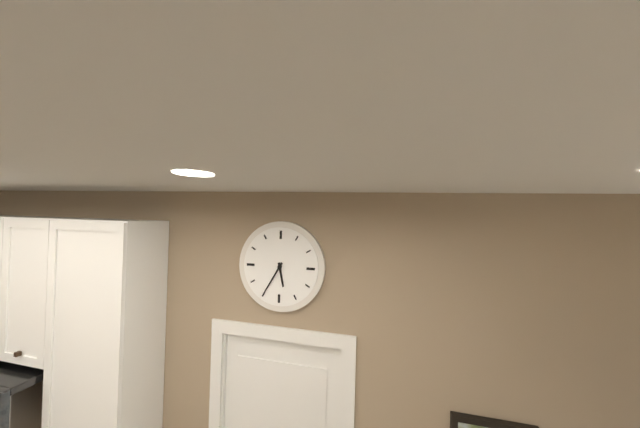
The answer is 5h35
